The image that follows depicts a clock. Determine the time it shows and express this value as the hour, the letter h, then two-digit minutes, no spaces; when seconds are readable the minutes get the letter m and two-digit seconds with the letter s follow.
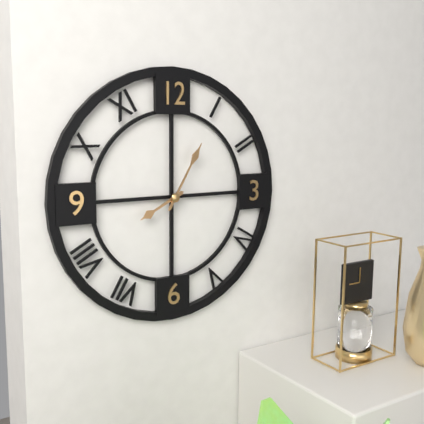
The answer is 8h05
